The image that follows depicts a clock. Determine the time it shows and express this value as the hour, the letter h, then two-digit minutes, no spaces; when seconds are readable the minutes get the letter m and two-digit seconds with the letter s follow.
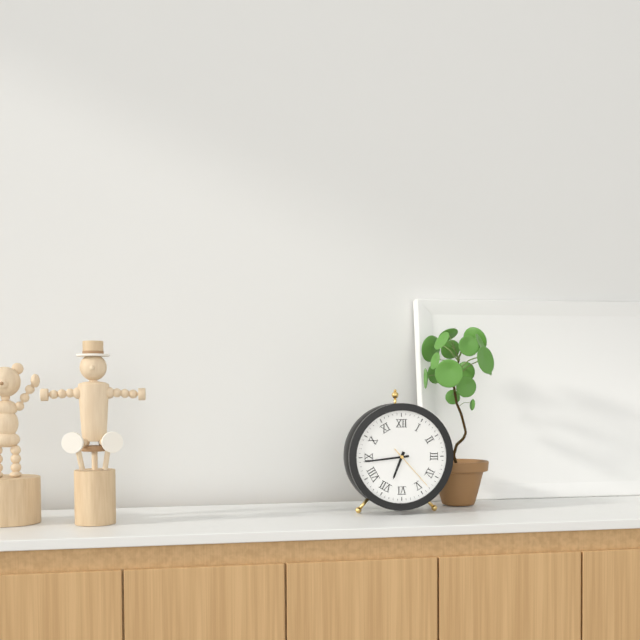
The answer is 6h44m23s
